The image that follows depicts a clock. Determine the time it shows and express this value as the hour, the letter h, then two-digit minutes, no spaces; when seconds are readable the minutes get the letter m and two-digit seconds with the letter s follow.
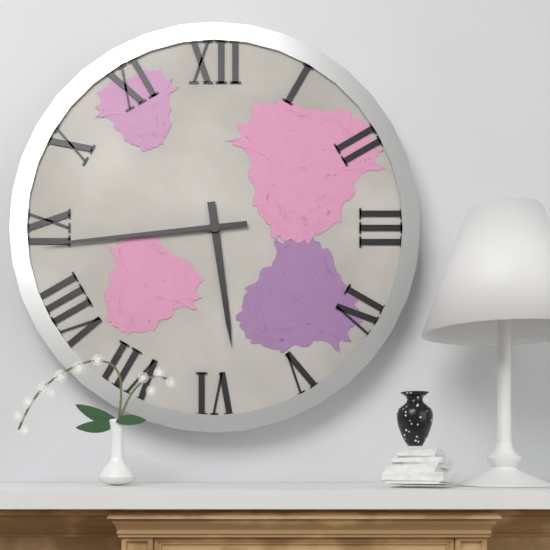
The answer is 5h44
